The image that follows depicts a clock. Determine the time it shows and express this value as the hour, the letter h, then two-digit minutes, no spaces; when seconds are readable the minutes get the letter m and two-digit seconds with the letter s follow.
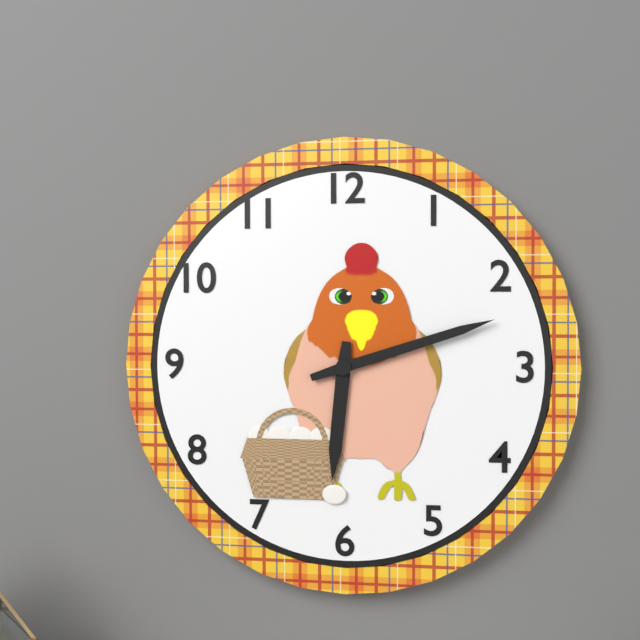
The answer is 6h12
